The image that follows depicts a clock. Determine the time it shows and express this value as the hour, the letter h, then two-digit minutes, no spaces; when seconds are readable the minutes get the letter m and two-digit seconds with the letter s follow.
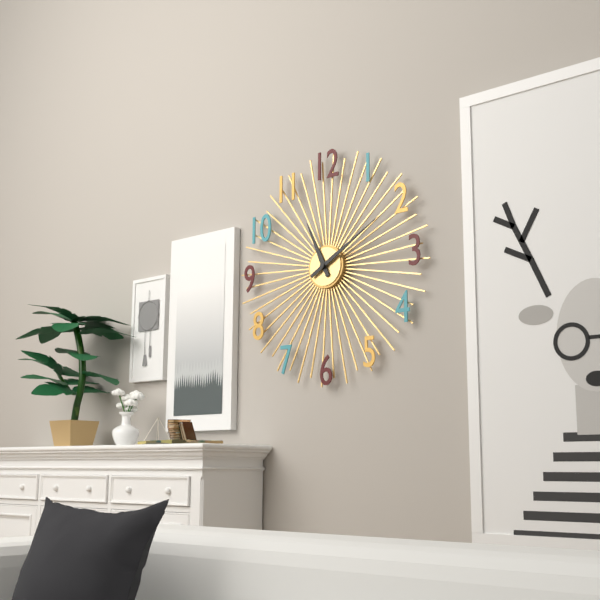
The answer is 11h10
